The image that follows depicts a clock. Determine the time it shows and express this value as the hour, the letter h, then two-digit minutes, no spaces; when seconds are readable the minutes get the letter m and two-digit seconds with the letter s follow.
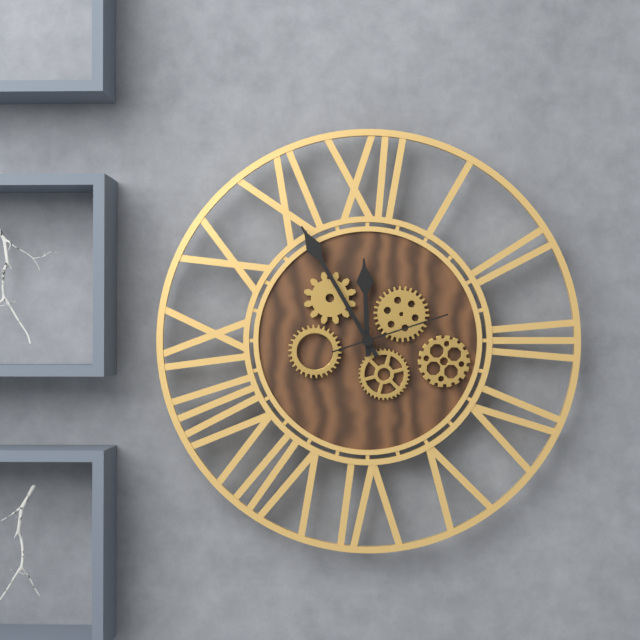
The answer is 11h55m12s
